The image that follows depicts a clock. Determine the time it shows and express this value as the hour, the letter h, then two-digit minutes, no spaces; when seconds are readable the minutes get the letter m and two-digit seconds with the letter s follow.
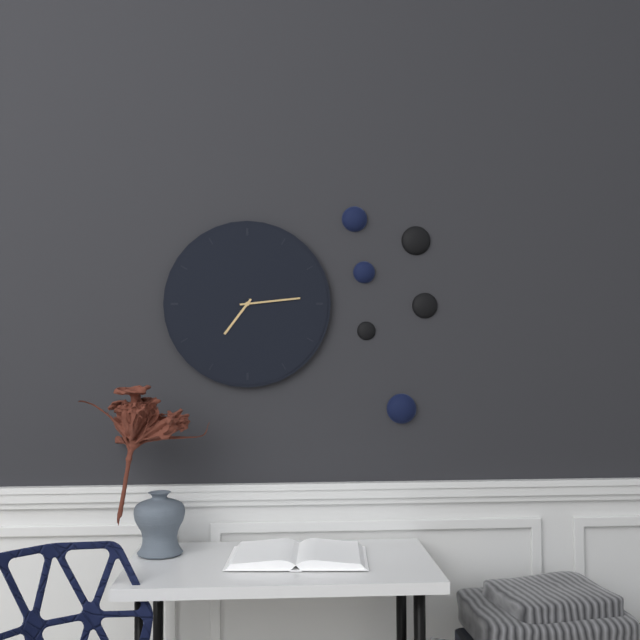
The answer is 7h14
